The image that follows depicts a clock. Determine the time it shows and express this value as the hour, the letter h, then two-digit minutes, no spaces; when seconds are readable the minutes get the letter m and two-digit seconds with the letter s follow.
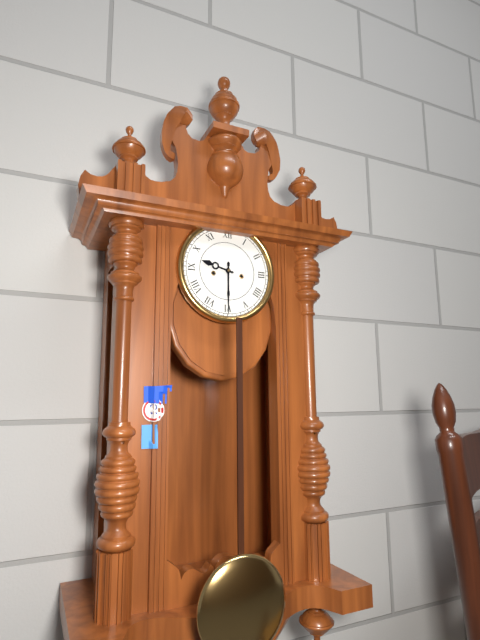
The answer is 9h30
